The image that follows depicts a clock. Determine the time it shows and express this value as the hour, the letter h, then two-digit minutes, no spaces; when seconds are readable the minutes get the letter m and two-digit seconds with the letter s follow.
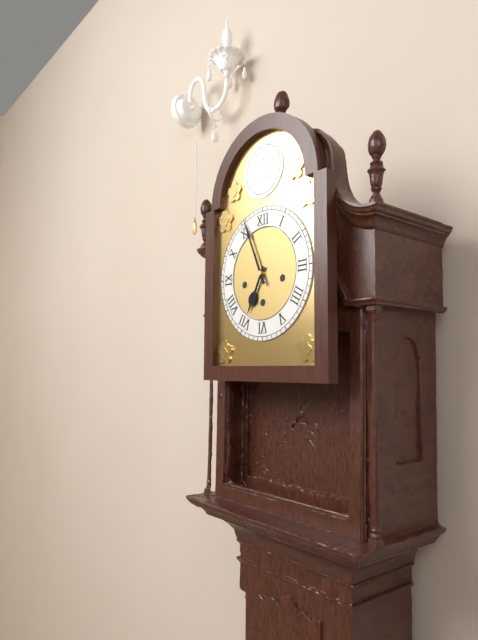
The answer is 6h56
